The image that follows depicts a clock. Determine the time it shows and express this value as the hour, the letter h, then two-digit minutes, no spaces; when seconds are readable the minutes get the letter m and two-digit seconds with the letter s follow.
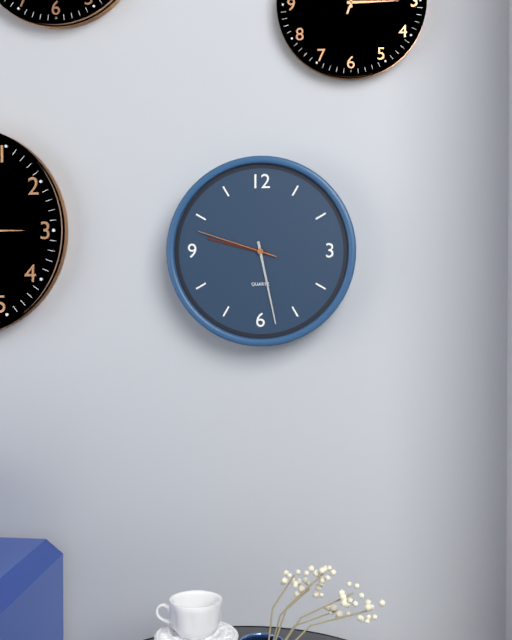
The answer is 9h28m48s
